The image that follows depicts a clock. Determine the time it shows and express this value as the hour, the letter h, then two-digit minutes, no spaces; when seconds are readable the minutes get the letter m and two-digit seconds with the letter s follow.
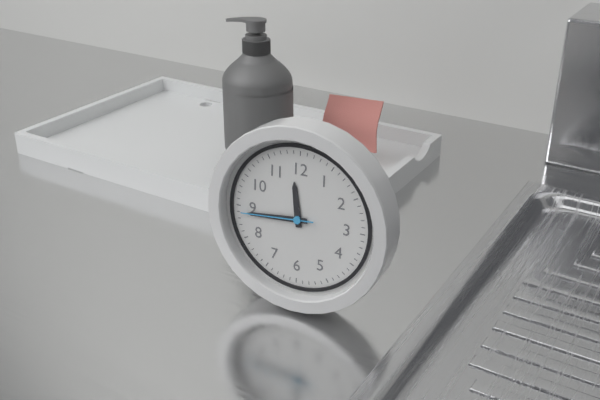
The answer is 11h44m44s
